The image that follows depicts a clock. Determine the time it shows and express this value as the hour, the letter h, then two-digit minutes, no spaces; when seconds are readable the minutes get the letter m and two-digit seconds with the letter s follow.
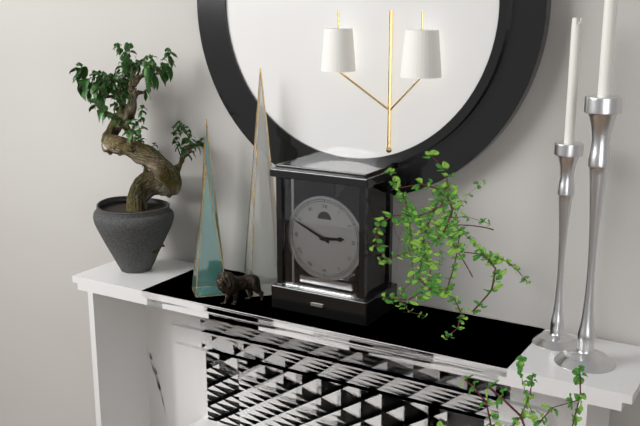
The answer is 2h49
